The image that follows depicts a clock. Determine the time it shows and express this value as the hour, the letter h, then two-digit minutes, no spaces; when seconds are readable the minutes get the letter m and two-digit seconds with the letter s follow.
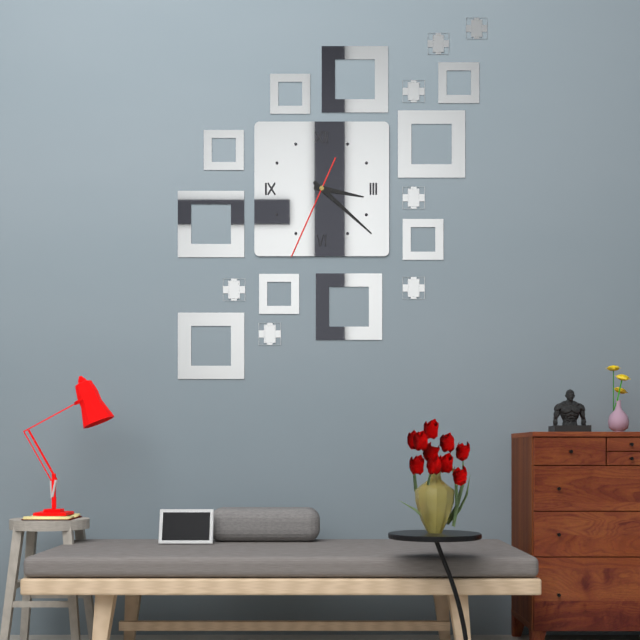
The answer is 3h22m34s
